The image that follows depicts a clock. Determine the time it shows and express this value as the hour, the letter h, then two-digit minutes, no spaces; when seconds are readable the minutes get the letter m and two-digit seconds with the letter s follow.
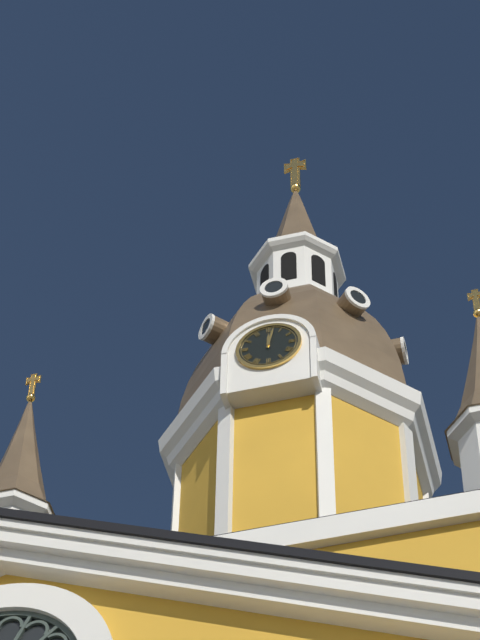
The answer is 12h02
